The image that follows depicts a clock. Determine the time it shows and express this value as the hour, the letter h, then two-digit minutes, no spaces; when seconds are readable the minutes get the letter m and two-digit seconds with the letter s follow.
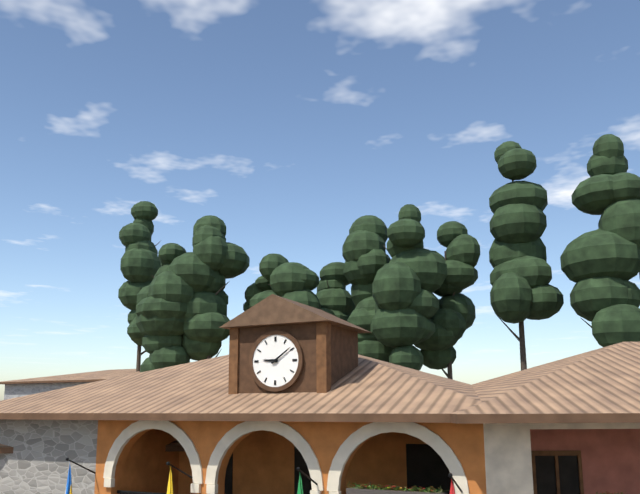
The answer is 9h09
